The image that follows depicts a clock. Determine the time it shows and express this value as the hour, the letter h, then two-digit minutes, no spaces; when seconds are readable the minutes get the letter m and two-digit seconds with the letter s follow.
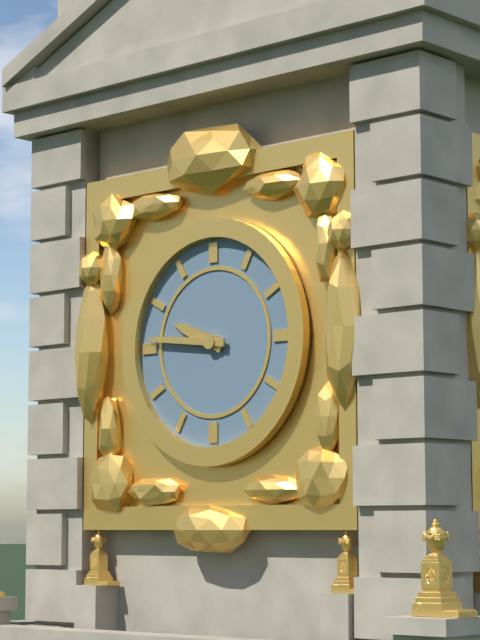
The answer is 9h46
